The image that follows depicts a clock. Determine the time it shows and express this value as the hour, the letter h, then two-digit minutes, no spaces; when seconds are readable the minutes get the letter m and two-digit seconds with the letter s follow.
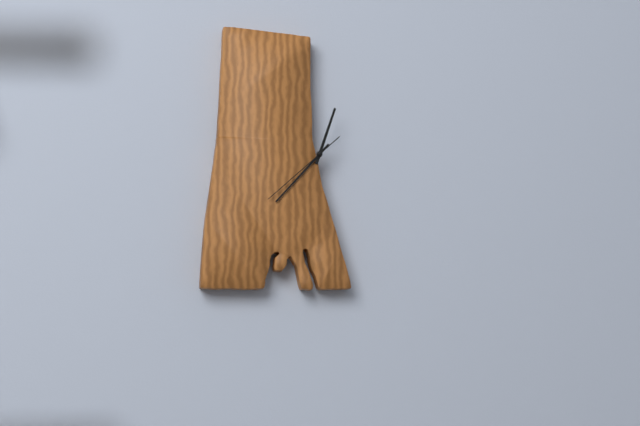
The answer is 12h37m38s
